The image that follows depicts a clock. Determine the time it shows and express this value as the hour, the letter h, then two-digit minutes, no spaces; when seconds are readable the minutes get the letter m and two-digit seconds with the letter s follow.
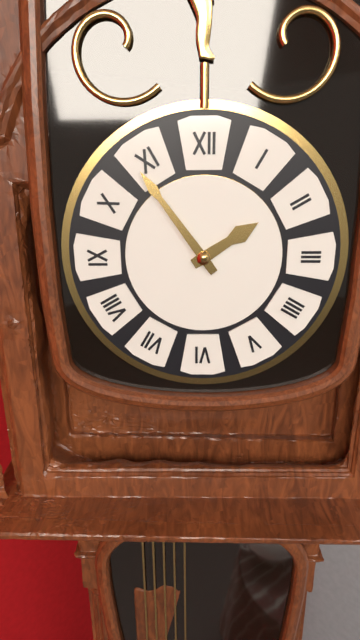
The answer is 1h54
